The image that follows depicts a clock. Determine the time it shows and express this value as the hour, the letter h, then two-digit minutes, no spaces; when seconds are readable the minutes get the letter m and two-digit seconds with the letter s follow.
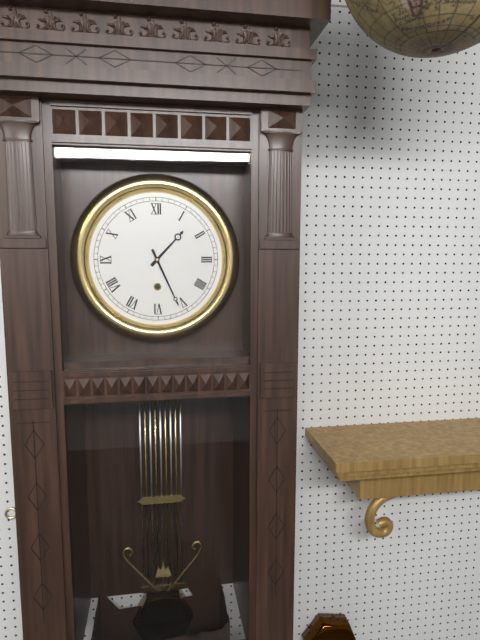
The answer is 1h26
